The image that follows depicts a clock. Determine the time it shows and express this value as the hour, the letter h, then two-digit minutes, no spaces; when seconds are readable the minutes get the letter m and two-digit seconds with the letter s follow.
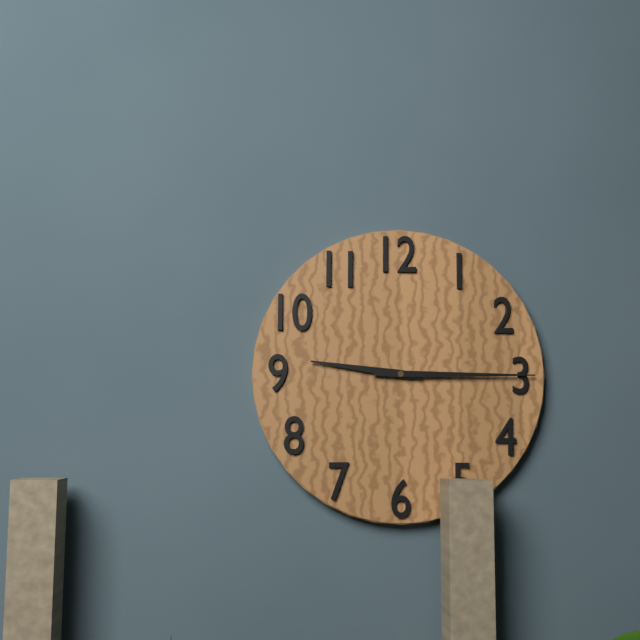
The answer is 9h15
